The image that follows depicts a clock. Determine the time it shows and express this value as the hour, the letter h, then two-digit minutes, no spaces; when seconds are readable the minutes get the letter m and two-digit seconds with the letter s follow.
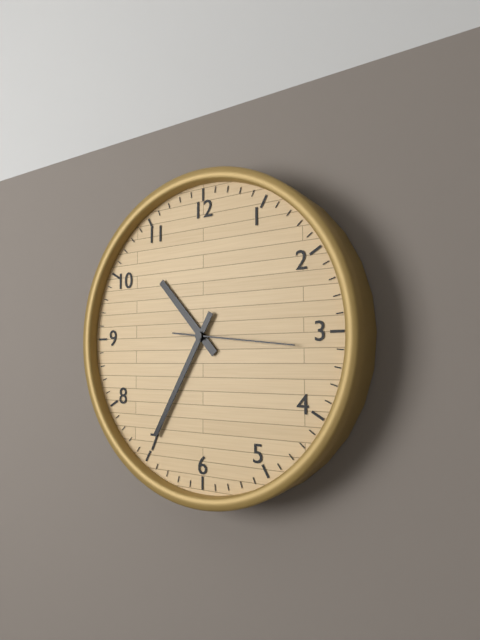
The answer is 10h35m16s
